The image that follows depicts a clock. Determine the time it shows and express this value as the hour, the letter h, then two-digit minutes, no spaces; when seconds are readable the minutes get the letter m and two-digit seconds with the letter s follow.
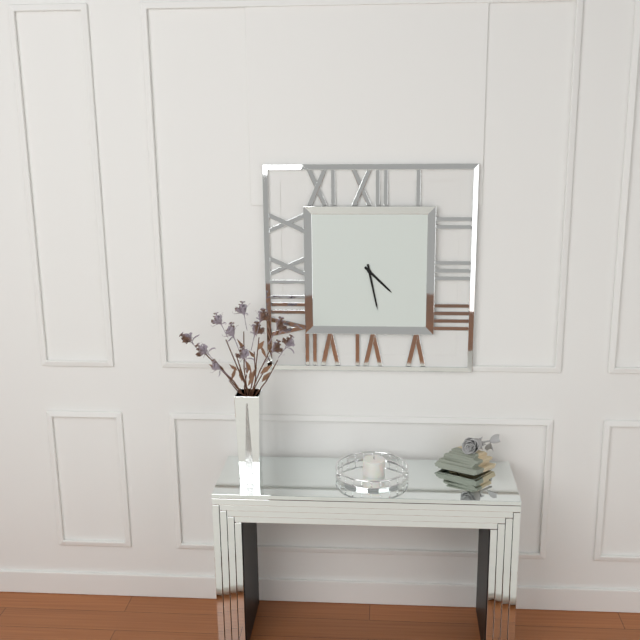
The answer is 4h28
